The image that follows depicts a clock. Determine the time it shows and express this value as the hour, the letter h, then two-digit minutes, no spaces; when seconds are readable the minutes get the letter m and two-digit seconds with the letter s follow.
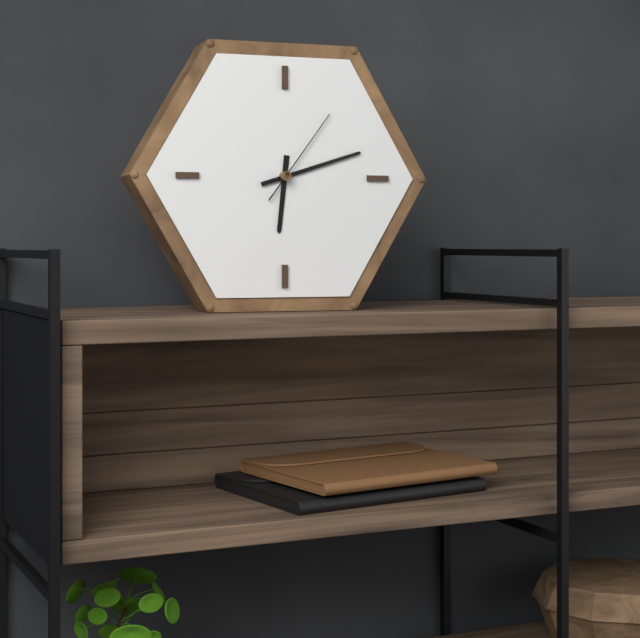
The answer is 6h12m06s
